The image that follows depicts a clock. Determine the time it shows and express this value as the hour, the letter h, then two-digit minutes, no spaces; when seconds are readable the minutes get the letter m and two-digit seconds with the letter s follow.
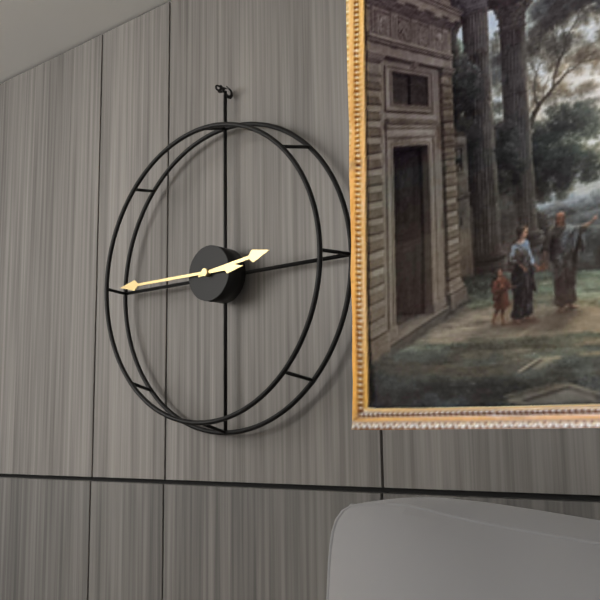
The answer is 2h45
